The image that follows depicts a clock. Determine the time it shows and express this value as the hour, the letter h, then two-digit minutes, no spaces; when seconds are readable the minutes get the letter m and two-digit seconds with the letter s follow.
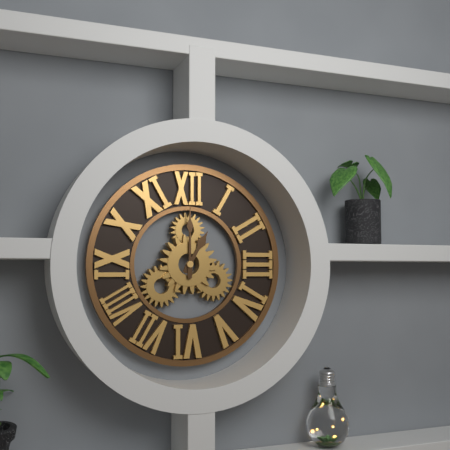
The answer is 1h00
